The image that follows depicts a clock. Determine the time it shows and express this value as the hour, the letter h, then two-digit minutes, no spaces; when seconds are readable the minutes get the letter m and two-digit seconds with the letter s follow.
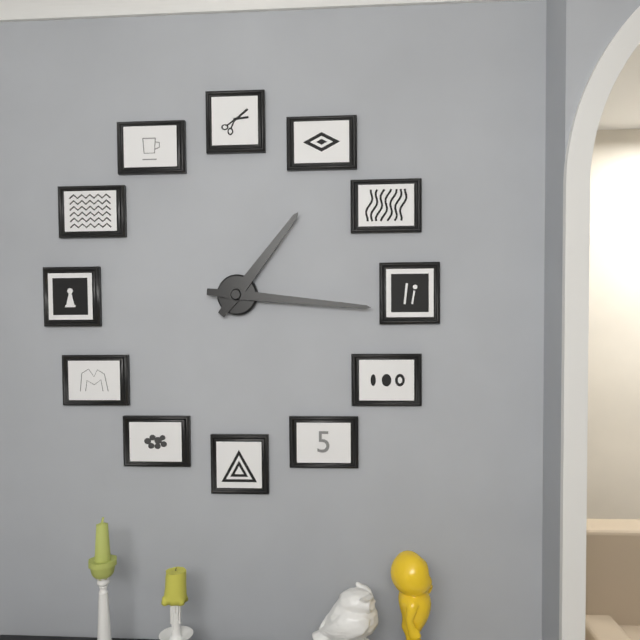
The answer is 1h16
